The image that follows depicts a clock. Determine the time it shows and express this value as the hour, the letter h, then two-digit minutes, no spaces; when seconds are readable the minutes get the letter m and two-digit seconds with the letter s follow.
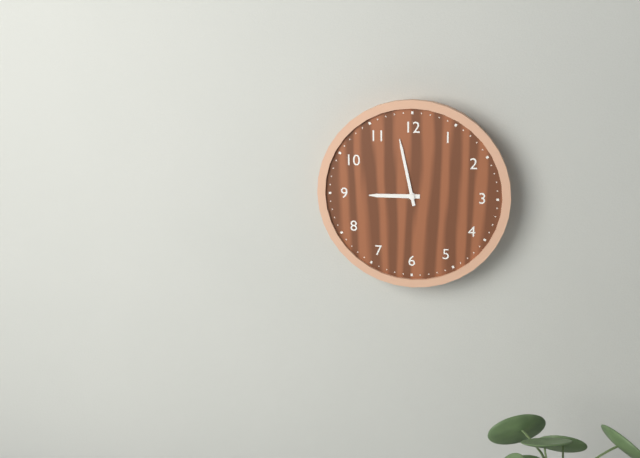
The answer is 8h58
